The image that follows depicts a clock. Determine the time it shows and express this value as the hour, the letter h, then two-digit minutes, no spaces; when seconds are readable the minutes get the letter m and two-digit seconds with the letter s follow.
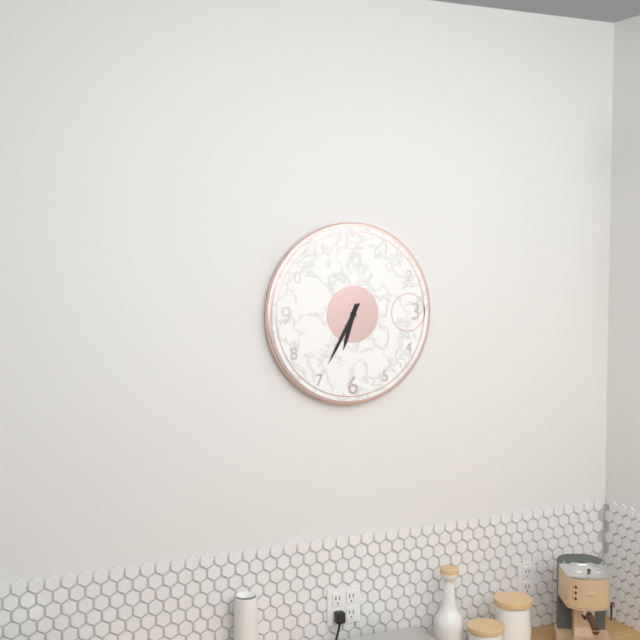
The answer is 6h35
